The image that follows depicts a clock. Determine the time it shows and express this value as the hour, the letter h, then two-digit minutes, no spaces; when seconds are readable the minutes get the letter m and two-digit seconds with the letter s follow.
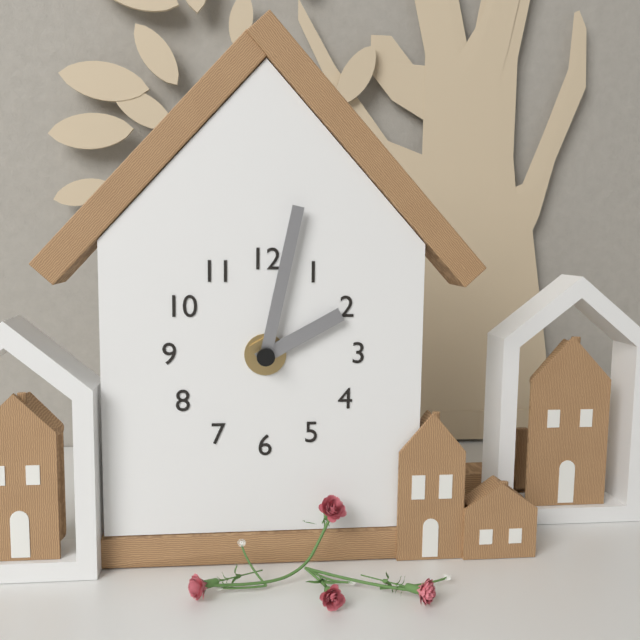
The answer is 2h02
